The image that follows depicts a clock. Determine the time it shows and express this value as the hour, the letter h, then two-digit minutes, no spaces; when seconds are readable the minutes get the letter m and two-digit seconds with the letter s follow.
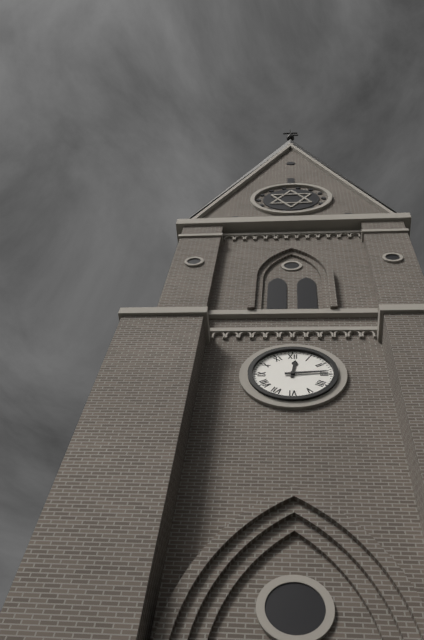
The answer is 12h14
